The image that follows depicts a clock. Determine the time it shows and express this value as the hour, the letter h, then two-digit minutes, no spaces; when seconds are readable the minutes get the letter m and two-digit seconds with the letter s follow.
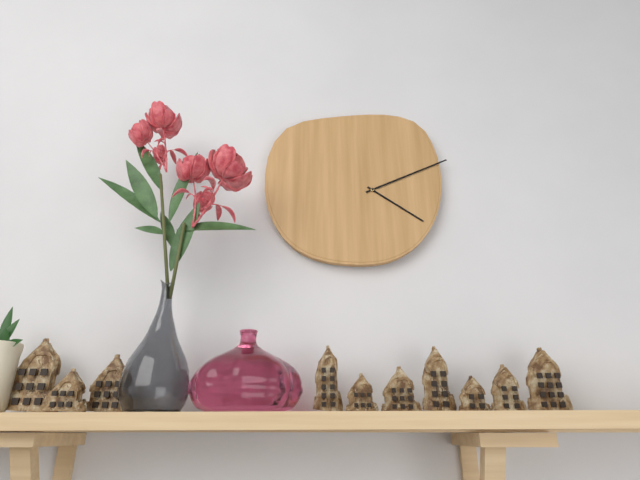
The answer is 4h11
